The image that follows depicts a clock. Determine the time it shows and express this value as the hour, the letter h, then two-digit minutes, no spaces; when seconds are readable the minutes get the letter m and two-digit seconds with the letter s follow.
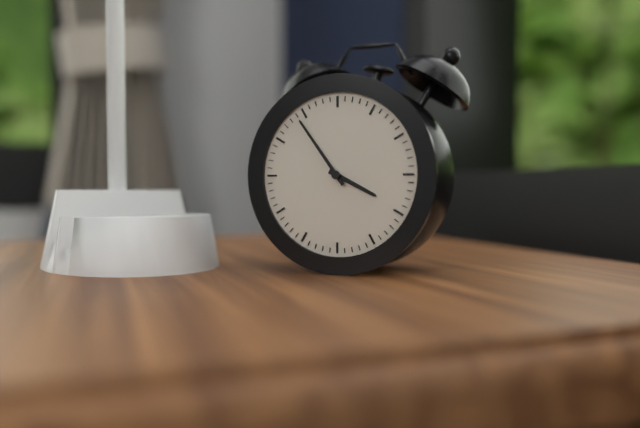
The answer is 3h54
